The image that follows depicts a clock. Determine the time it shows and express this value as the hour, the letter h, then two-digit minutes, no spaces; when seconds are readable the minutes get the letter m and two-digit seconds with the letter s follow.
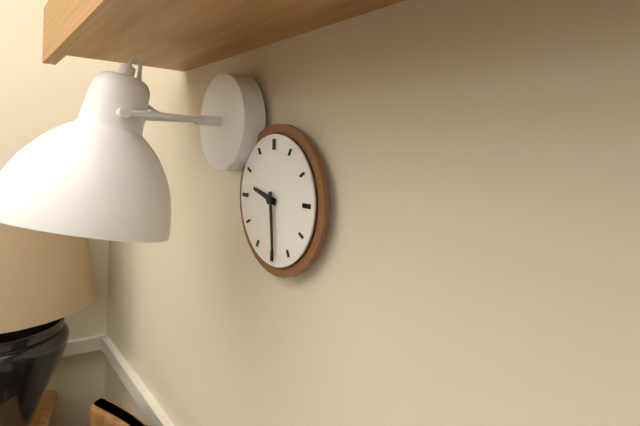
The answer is 9h29
